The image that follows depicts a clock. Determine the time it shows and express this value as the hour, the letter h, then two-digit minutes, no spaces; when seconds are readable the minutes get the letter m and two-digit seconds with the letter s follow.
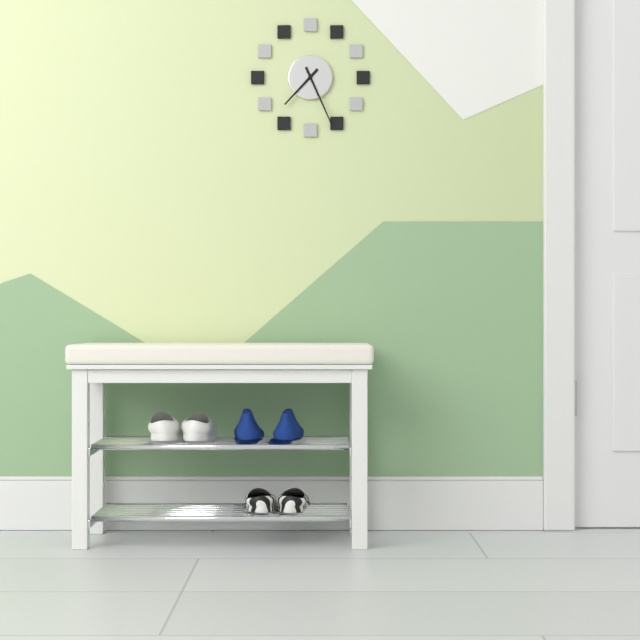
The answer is 7h26
